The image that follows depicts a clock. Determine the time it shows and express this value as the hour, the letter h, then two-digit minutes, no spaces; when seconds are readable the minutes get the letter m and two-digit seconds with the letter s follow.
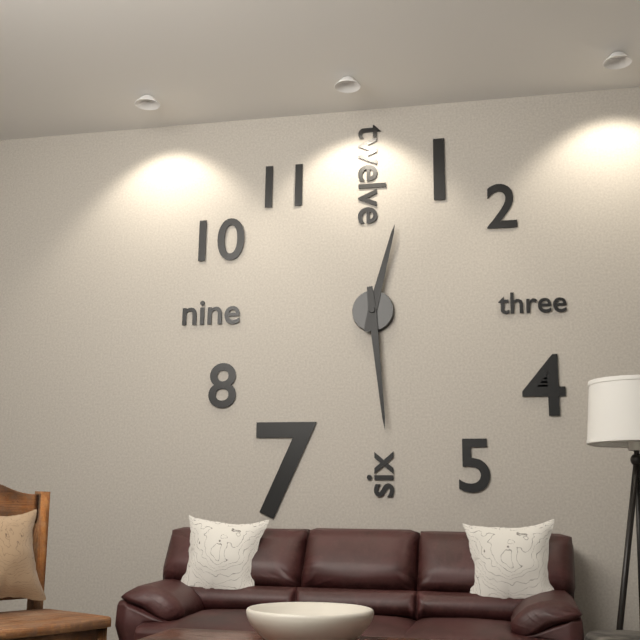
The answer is 12h29
